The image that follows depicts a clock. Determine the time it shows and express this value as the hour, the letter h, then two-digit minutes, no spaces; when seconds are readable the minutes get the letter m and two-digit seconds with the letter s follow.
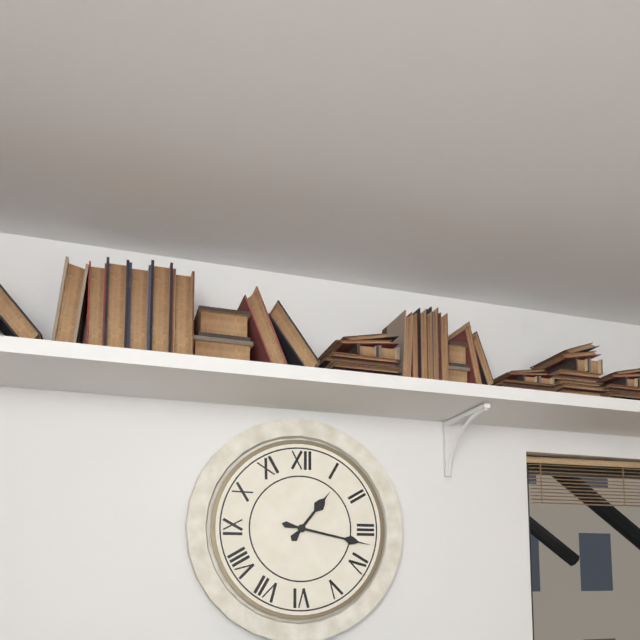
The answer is 1h17
